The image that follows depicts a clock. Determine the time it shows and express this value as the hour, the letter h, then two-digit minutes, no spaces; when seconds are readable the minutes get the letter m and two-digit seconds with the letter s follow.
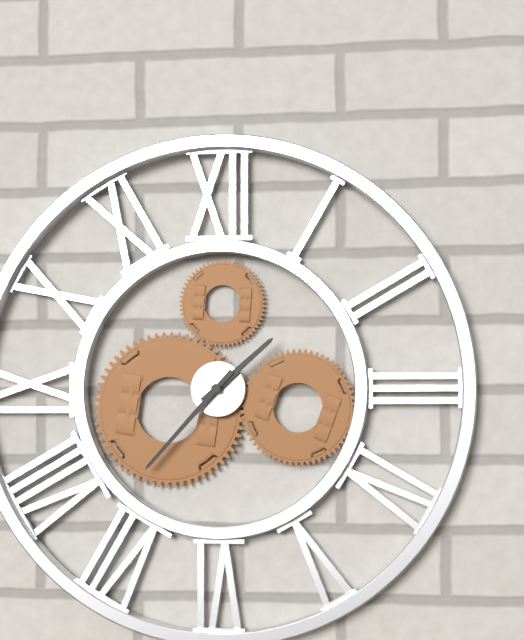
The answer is 1h37
